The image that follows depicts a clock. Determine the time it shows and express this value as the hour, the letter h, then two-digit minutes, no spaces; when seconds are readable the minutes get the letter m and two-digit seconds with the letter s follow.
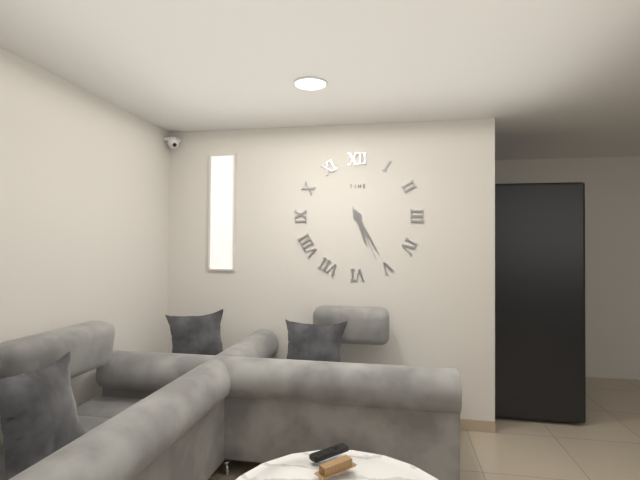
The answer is 5h25m26s
